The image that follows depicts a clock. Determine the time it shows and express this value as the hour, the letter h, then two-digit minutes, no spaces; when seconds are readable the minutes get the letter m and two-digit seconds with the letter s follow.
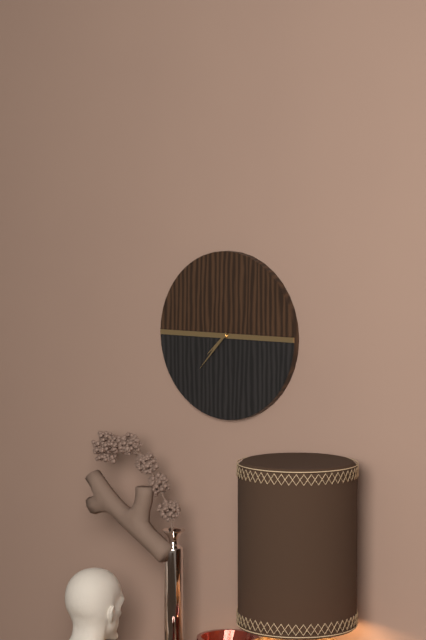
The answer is 7h37
